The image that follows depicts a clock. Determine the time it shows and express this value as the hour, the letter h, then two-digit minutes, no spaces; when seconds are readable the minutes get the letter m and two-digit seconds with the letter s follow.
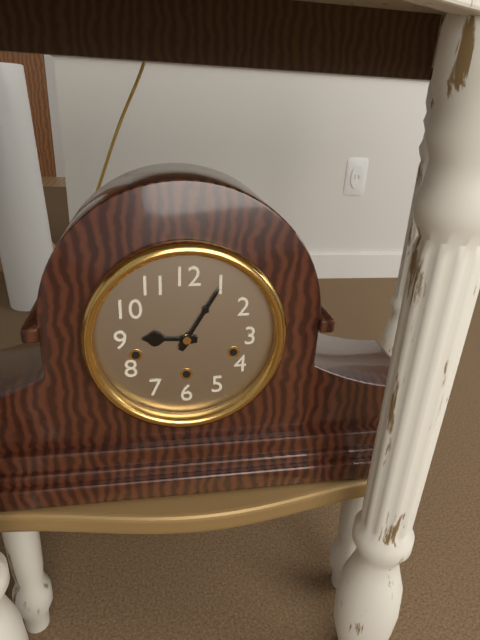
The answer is 9h05
